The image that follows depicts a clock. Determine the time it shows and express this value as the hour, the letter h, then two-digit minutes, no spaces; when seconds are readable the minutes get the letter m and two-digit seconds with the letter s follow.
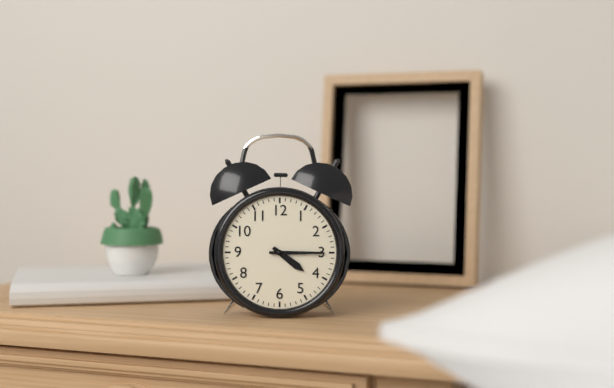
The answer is 4h15
